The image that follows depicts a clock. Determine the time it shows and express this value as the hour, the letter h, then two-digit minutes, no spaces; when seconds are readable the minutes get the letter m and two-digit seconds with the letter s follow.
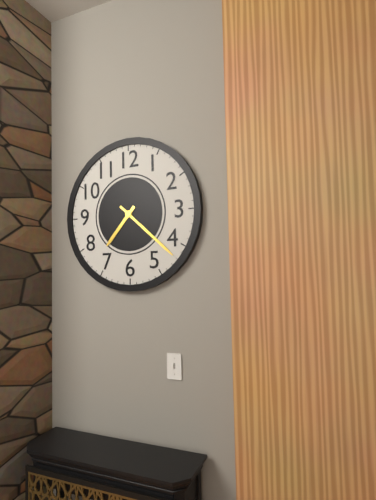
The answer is 7h22
